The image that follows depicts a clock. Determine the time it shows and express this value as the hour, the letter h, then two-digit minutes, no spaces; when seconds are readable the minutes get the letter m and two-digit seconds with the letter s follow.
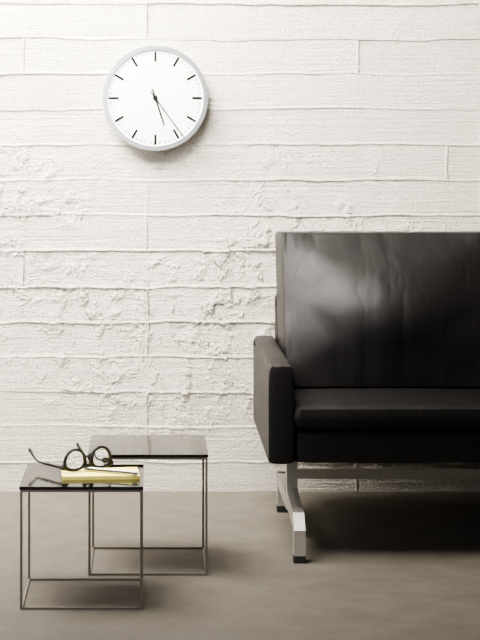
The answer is 5h24
